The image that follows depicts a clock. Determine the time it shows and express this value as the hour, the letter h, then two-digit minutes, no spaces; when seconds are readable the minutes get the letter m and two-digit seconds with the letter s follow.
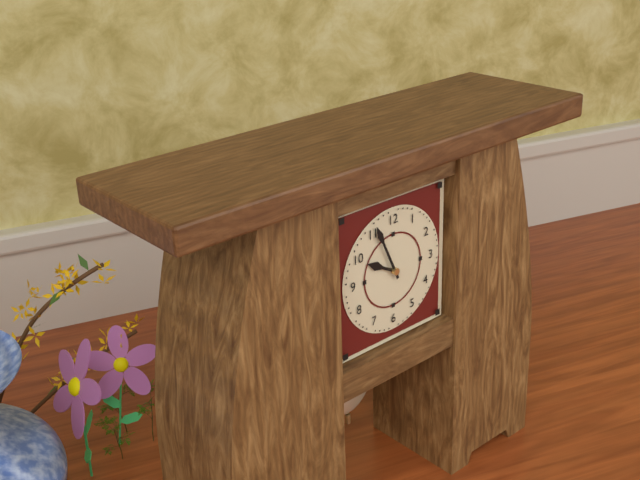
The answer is 9h56
